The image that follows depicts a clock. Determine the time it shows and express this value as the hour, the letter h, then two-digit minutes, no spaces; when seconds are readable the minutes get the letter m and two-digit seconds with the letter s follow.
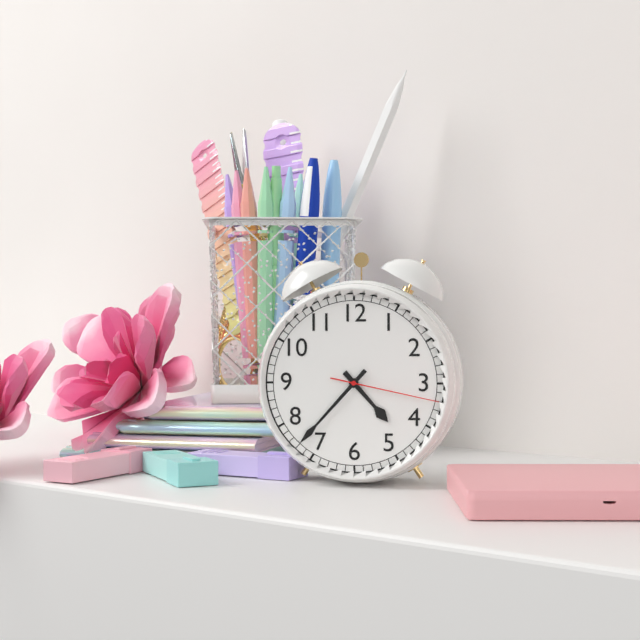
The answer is 4h37m17s
